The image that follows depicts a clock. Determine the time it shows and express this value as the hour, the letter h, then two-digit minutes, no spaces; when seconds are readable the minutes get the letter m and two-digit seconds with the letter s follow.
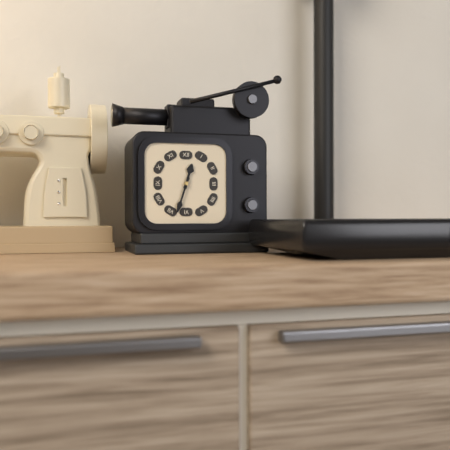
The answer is 12h33
